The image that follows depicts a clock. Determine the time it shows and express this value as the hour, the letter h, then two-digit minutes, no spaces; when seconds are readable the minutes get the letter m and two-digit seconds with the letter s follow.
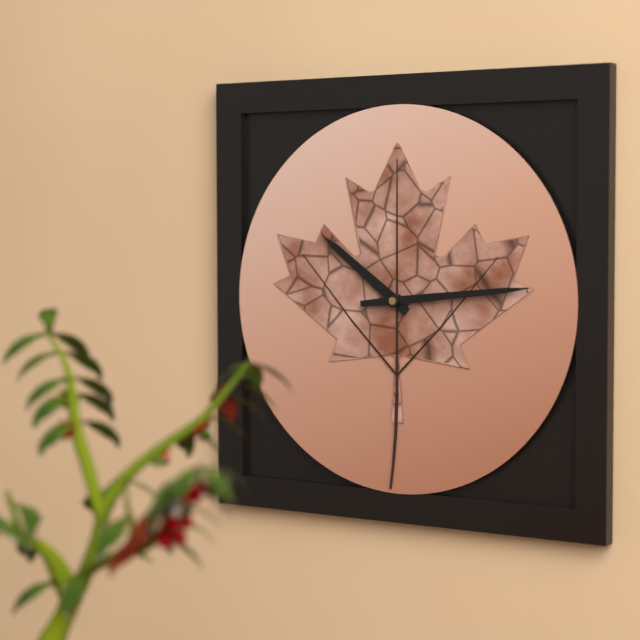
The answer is 10h14
